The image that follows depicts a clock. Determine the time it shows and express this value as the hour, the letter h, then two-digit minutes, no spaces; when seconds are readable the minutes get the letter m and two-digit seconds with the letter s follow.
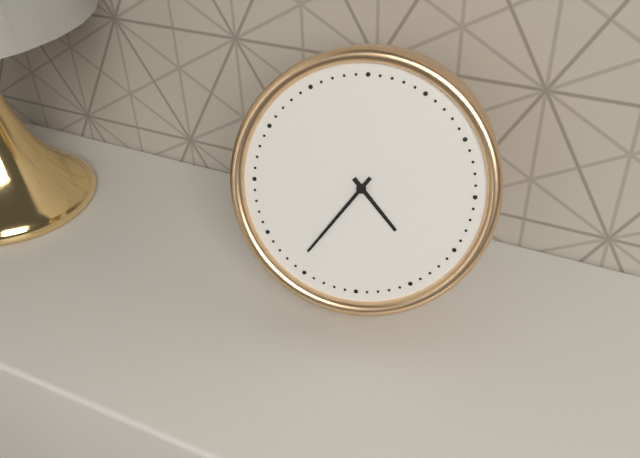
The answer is 4h36
